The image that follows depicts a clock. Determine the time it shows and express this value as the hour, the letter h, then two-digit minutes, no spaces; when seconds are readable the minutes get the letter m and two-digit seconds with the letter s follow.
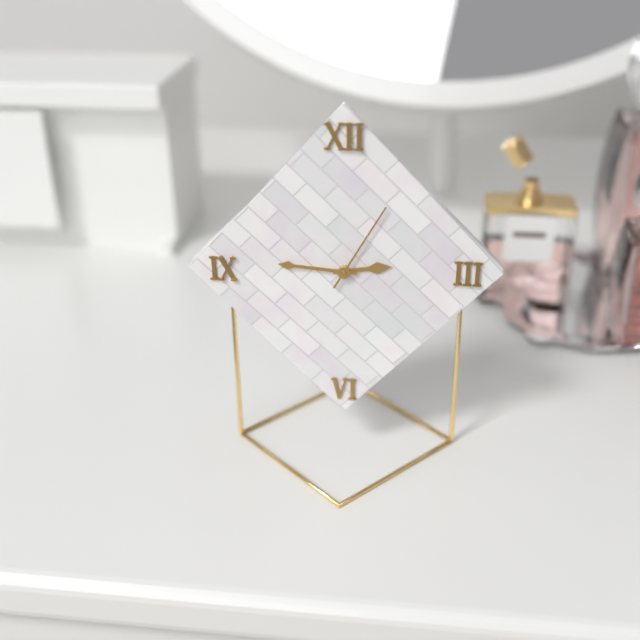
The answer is 2h46m05s
